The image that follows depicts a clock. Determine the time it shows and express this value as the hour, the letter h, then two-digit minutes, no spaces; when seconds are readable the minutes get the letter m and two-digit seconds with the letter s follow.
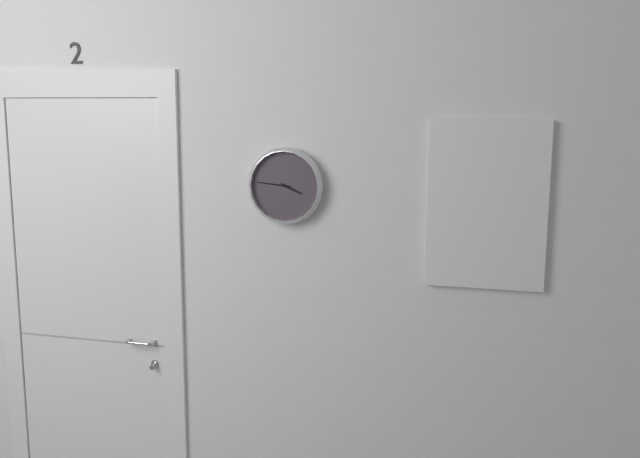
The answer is 3h46
